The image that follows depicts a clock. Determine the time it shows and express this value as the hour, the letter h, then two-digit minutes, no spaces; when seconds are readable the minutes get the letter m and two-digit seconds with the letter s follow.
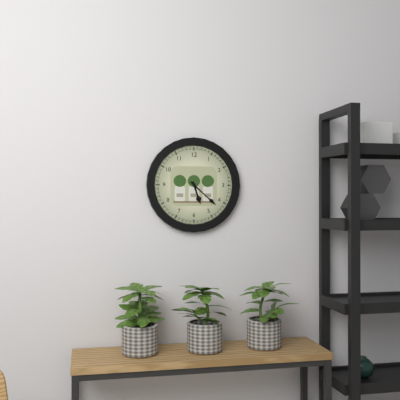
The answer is 5h22
